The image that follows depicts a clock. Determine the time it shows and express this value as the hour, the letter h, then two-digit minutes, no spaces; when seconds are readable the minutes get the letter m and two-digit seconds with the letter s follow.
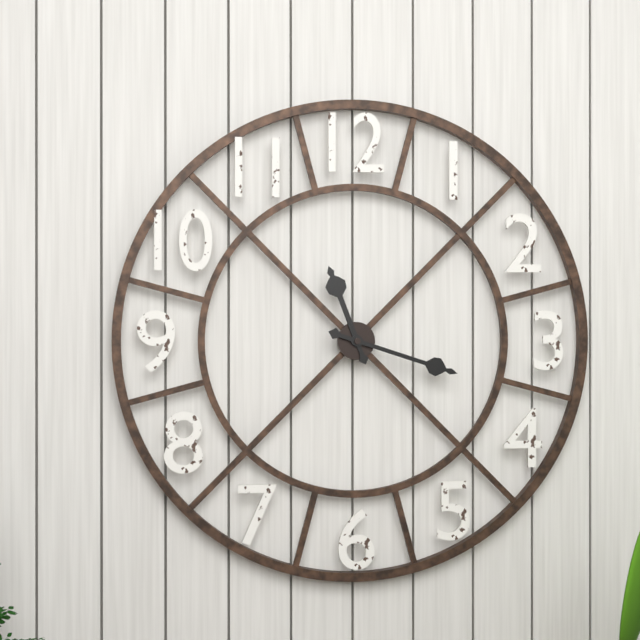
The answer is 11h18
